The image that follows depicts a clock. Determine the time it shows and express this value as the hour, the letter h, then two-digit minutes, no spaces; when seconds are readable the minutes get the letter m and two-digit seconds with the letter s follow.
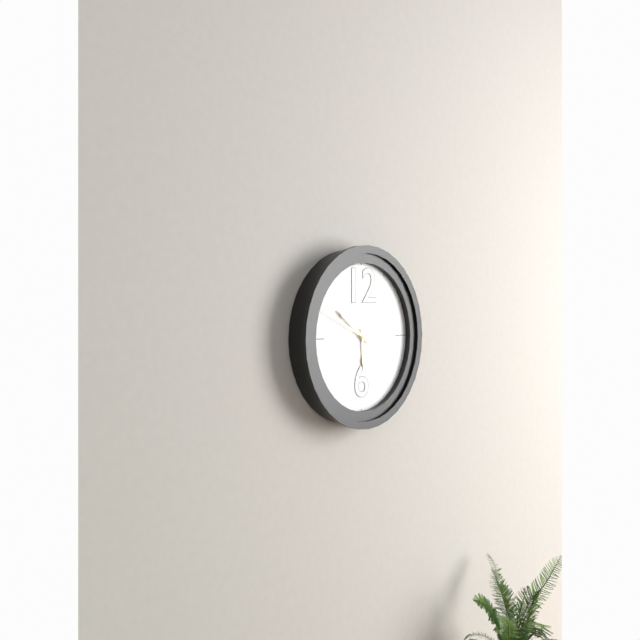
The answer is 5h51m49s
